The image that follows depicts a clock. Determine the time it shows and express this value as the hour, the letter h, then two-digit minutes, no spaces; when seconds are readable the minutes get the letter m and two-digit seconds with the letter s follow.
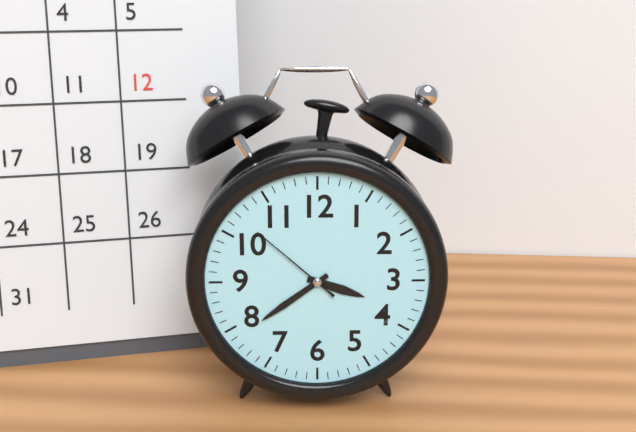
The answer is 3h39m52s
